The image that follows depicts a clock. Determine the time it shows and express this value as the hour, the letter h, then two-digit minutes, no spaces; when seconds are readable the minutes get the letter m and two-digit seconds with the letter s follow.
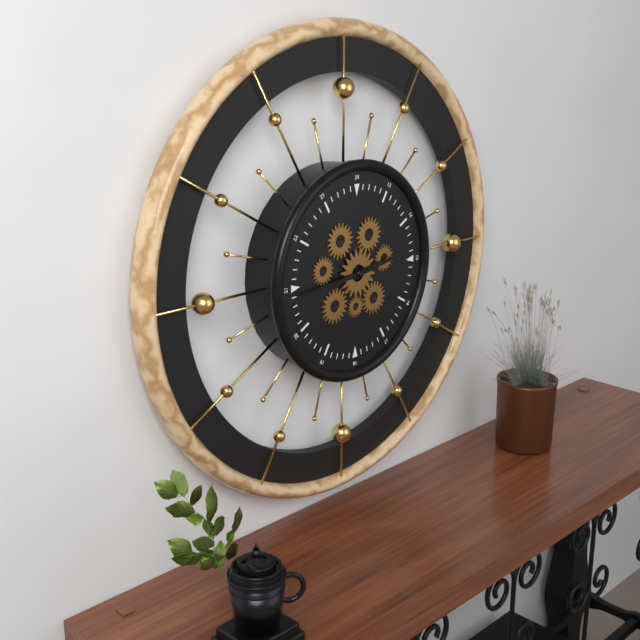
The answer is 2h44
